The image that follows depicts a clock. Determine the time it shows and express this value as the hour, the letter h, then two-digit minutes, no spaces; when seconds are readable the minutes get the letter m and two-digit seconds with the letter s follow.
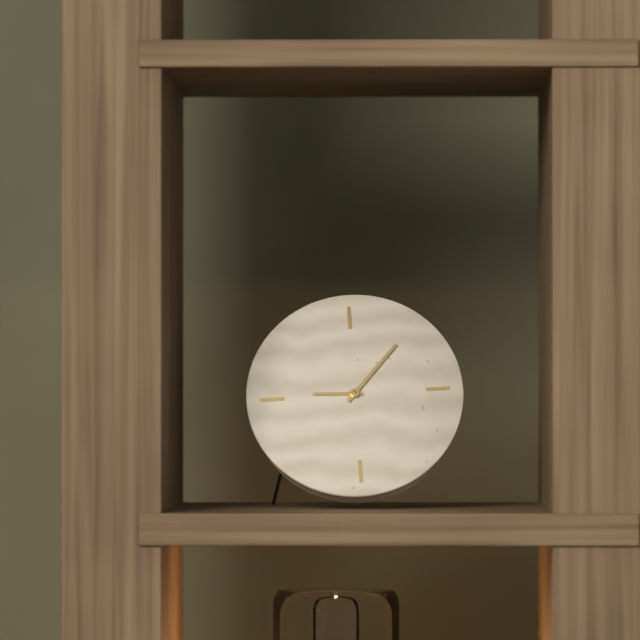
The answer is 9h07
